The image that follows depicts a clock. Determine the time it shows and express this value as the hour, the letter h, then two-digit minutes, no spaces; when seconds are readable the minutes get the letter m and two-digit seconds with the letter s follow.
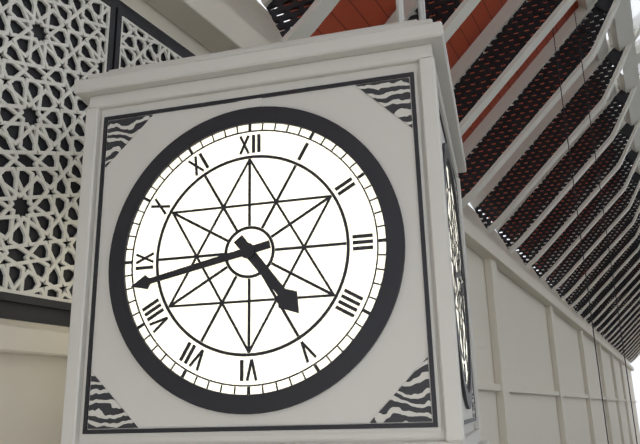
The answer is 4h43
